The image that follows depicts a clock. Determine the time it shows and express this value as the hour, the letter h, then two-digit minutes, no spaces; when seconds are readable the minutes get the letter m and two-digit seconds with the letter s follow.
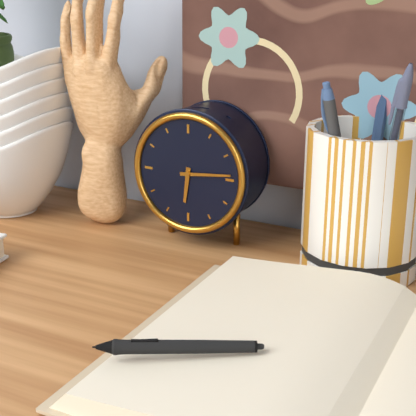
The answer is 6h14
